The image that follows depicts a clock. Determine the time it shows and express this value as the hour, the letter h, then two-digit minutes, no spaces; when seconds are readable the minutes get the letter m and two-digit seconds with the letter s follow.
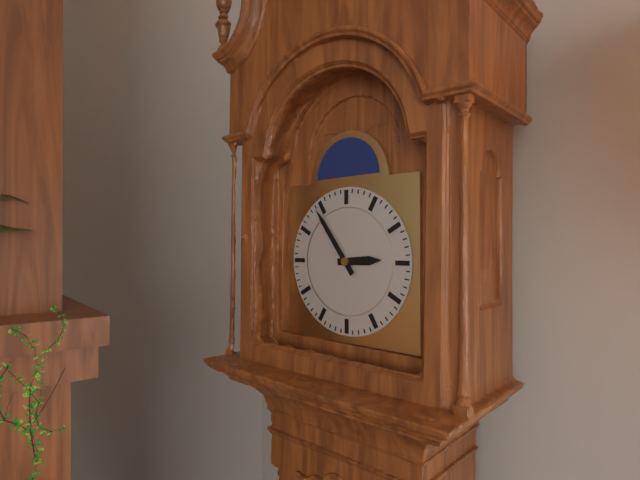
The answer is 2h54
